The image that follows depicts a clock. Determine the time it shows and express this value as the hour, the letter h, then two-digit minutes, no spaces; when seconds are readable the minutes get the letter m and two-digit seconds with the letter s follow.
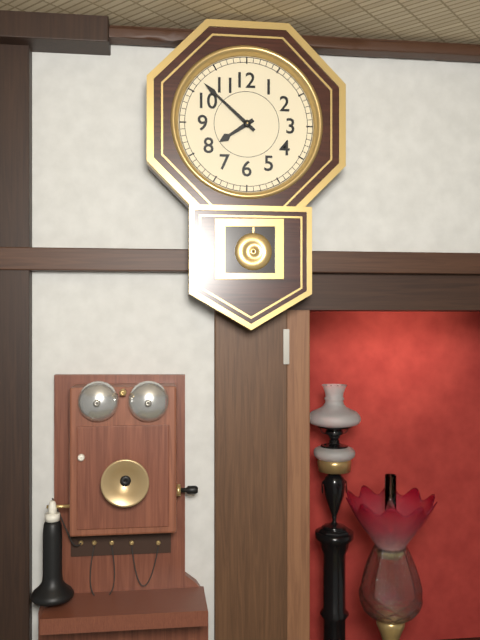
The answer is 7h52
